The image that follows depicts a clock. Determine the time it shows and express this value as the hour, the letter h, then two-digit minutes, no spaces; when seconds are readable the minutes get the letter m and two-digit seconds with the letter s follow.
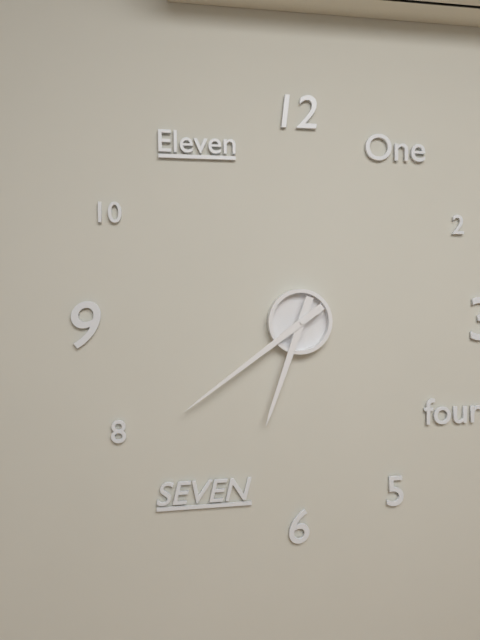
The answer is 6h39
